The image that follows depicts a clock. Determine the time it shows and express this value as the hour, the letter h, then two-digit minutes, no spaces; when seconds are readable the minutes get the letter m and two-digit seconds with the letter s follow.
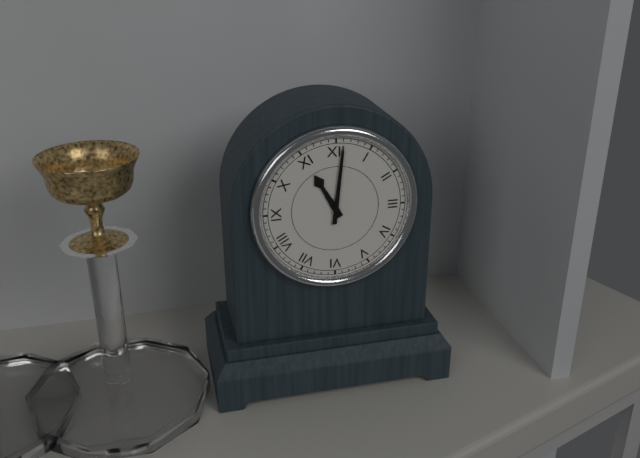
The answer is 11h01
